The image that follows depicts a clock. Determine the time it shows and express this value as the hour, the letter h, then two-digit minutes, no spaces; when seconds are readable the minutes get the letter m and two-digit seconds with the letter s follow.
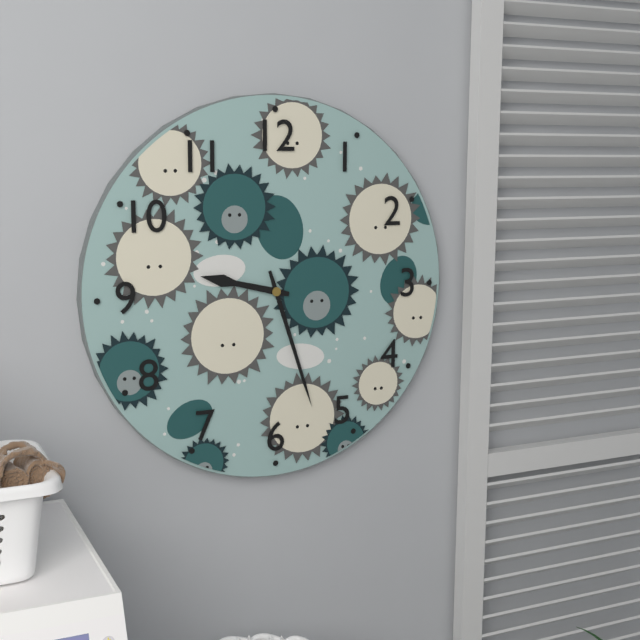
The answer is 9h27
